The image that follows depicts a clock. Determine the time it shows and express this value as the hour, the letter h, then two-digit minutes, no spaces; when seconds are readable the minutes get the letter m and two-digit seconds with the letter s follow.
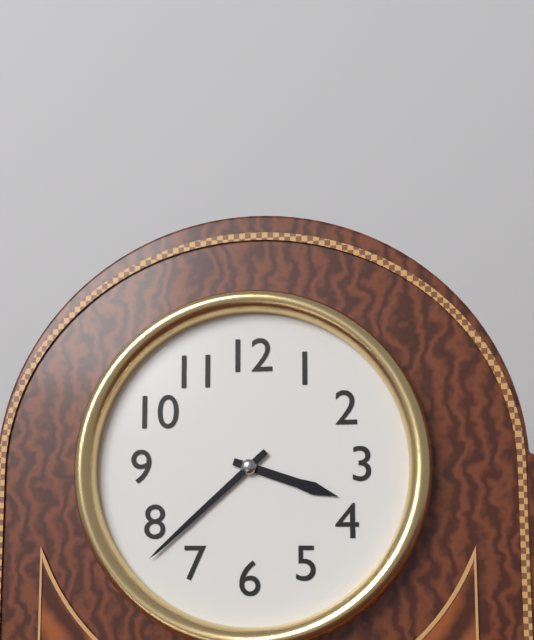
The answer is 3h38
